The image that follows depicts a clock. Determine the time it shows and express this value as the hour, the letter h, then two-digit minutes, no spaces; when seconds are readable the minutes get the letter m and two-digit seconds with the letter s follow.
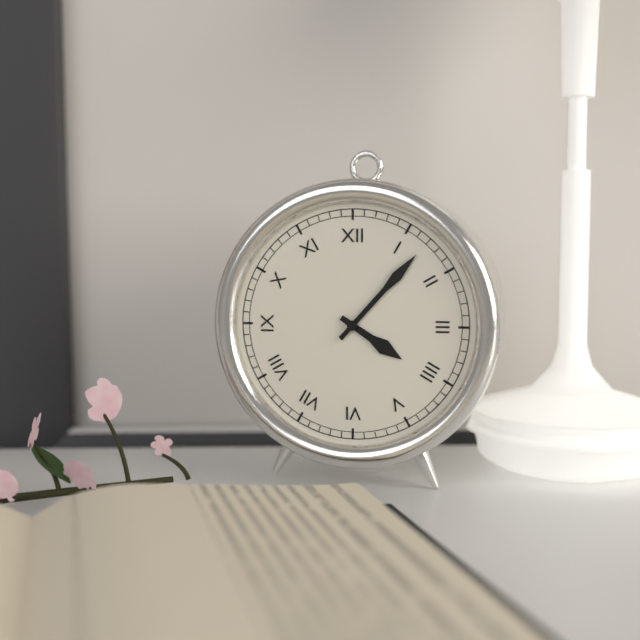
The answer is 4h07
